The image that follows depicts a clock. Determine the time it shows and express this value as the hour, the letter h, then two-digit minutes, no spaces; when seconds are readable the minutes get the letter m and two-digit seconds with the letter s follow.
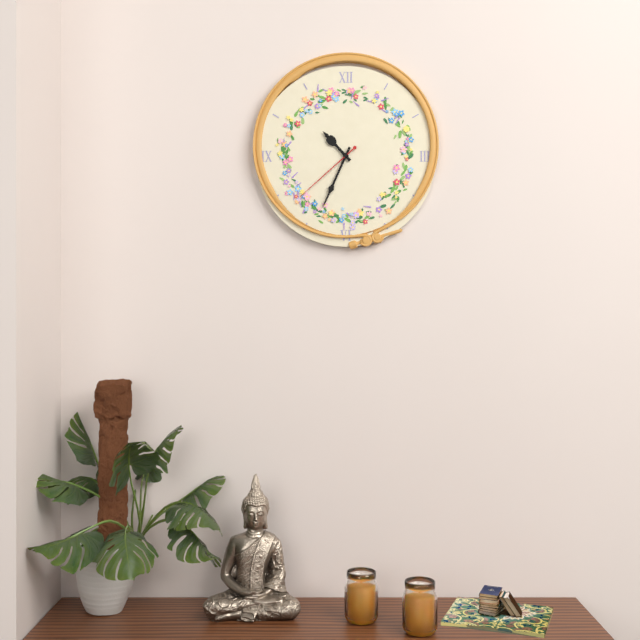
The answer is 10h34m38s
